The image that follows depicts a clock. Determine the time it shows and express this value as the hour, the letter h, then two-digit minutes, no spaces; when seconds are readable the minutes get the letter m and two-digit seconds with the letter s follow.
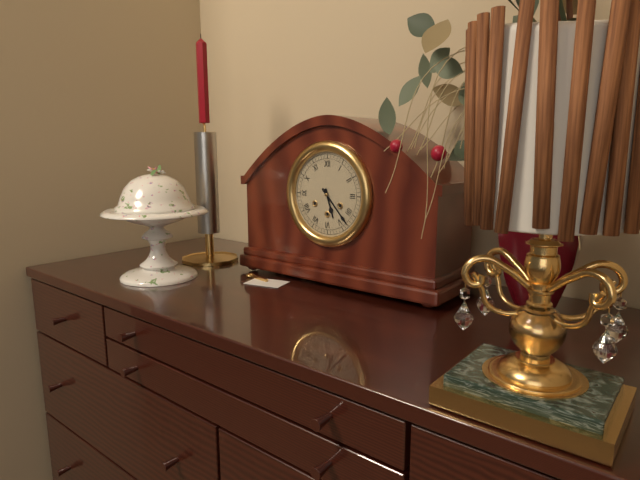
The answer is 5h23
